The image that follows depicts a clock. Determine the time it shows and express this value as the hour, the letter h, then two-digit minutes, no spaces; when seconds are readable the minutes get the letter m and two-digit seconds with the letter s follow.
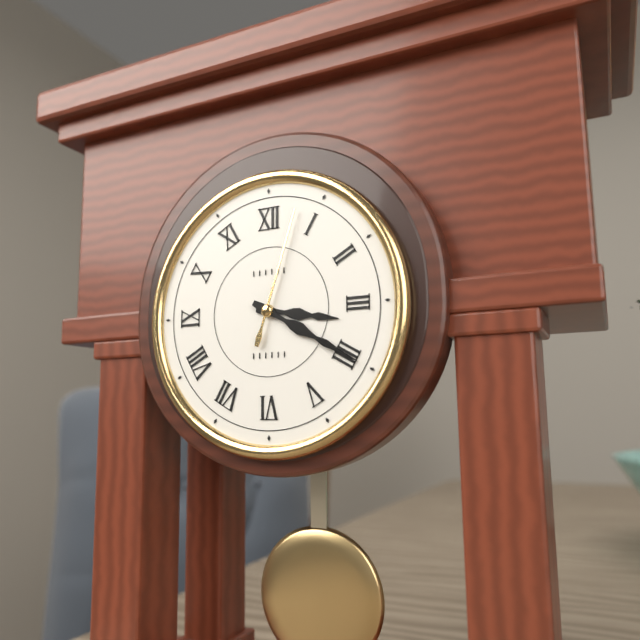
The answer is 3h20m03s
